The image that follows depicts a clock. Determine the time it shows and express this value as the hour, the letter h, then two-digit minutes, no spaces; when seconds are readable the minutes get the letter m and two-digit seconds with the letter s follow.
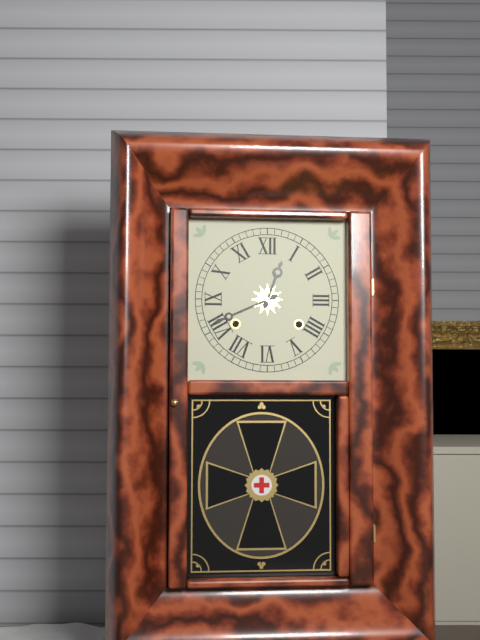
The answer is 12h41
